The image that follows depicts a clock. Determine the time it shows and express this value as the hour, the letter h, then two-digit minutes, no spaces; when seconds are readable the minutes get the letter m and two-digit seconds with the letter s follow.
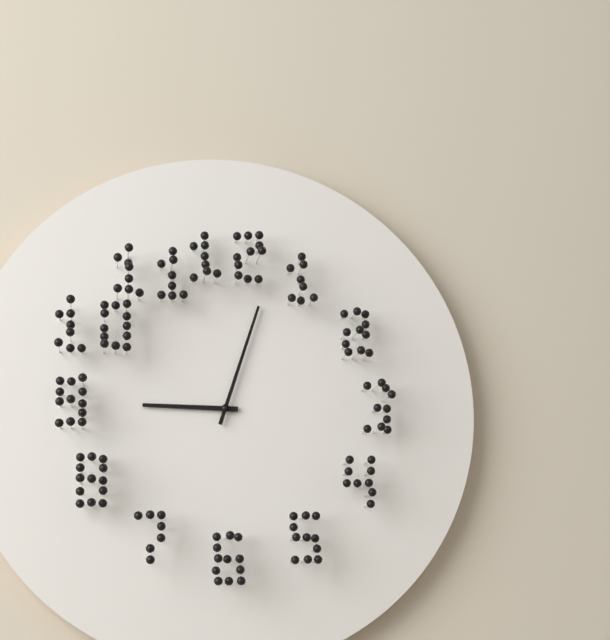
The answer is 9h03
